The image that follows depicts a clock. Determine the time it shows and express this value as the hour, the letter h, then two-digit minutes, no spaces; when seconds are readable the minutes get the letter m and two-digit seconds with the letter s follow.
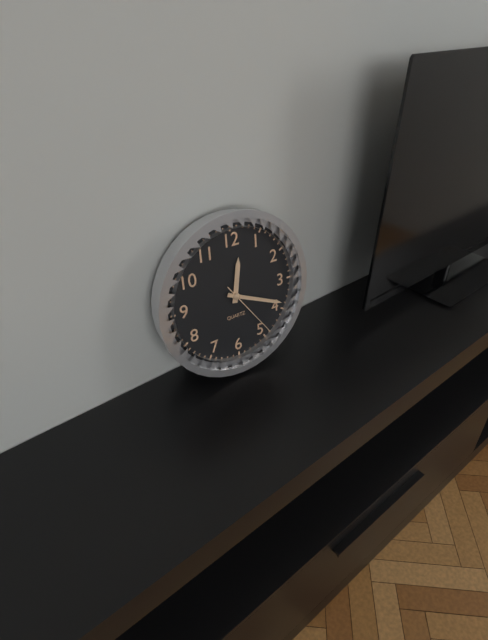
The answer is 12h19m24s
